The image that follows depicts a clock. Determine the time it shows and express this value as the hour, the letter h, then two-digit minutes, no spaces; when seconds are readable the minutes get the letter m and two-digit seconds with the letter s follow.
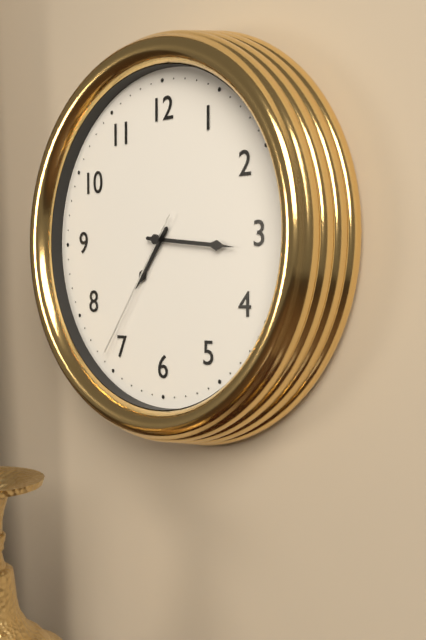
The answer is 7h16m36s
